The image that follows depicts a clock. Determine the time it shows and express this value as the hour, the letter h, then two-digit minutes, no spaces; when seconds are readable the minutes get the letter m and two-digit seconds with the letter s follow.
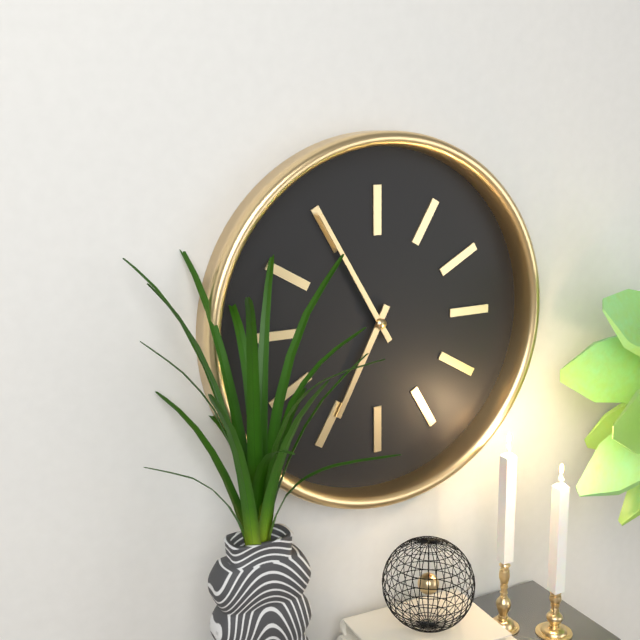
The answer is 6h55
